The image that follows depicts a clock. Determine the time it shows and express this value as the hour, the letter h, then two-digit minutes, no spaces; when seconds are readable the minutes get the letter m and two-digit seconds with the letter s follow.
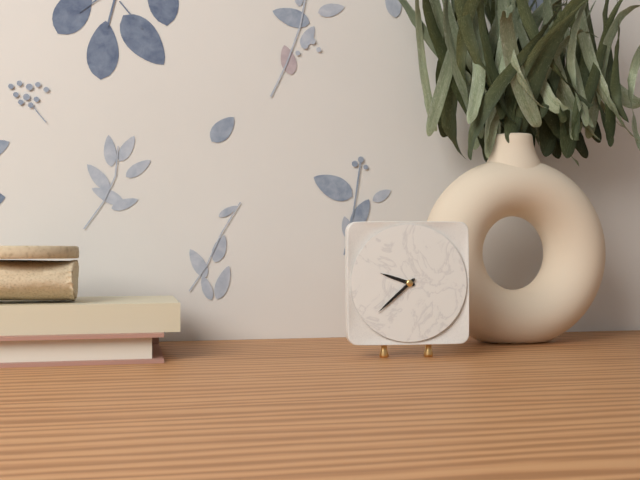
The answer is 9h38
